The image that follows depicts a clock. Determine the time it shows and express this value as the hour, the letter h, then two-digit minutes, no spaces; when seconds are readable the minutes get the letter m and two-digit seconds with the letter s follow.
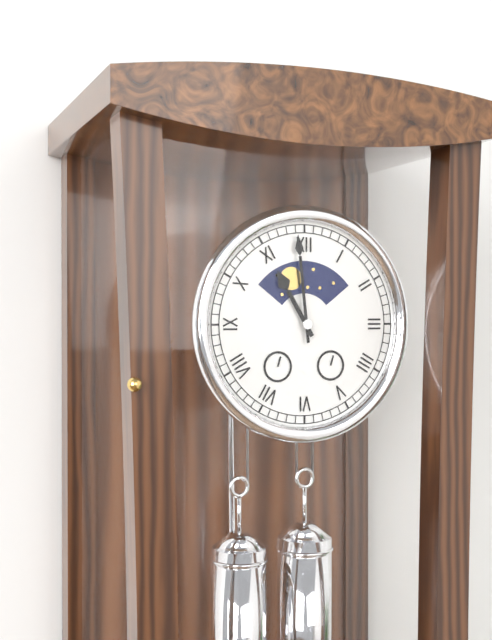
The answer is 10h59
